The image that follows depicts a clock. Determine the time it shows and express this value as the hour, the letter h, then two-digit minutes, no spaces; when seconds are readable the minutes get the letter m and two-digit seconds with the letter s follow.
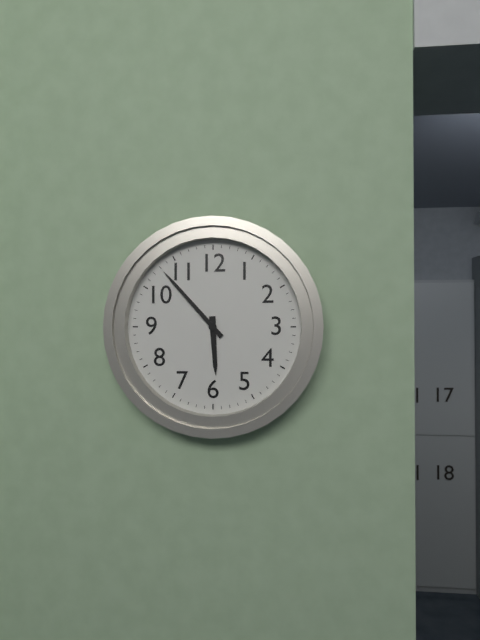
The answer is 5h53
